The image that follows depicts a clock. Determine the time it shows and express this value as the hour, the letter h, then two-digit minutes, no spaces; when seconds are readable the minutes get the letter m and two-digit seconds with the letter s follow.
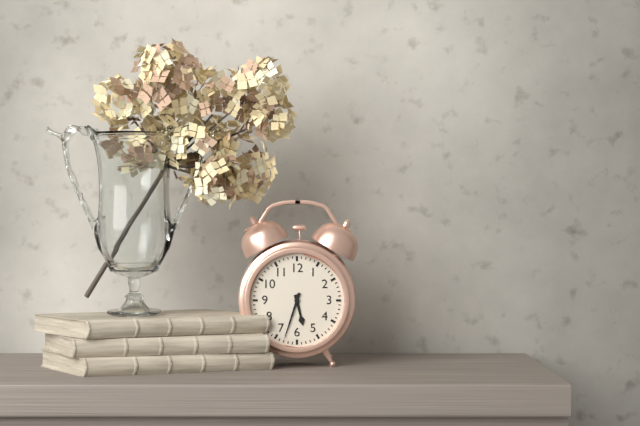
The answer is 5h33
